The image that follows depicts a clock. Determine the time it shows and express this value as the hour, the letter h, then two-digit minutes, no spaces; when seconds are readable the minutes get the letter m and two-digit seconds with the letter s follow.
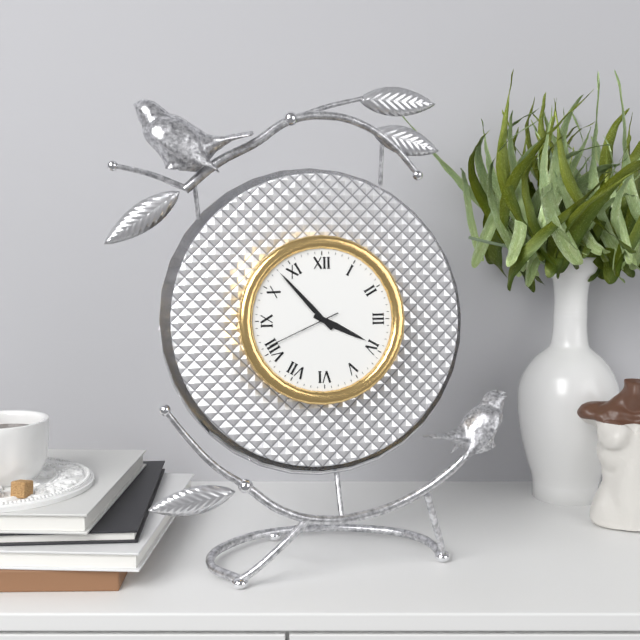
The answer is 3h53m41s
